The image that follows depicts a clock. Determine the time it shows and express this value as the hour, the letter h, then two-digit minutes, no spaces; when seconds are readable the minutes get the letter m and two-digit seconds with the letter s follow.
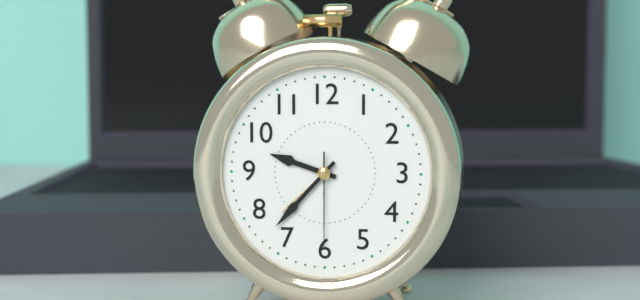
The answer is 9h37m30s
